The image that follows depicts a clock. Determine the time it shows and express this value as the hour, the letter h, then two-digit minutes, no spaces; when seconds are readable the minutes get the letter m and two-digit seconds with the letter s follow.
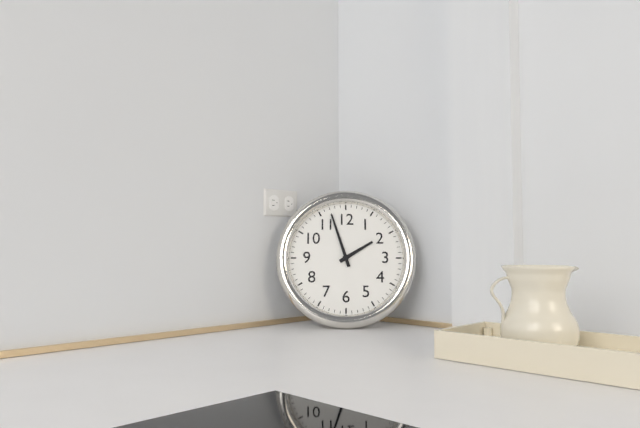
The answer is 1h57
